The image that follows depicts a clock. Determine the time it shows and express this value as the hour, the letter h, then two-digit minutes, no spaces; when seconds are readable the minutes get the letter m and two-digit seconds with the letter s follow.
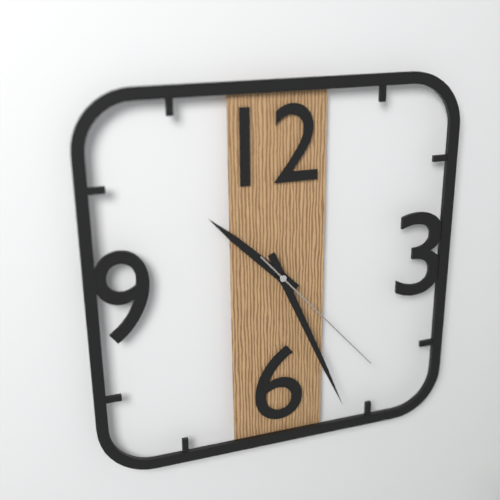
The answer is 10h26m23s
